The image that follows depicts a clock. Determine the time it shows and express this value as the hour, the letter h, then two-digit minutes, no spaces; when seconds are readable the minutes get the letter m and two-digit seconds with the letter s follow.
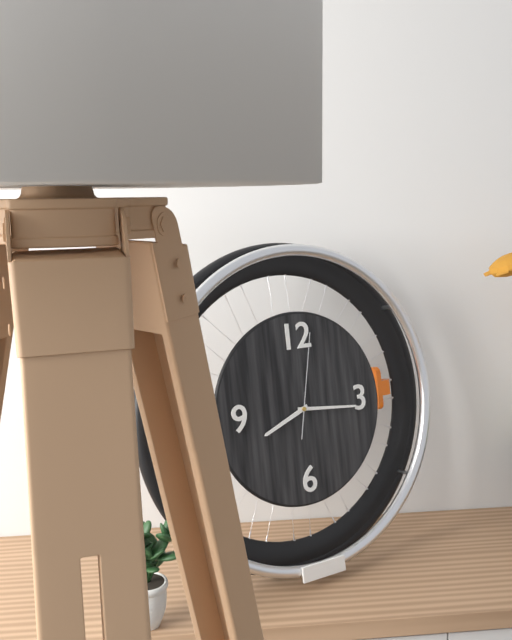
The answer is 8h16m02s
